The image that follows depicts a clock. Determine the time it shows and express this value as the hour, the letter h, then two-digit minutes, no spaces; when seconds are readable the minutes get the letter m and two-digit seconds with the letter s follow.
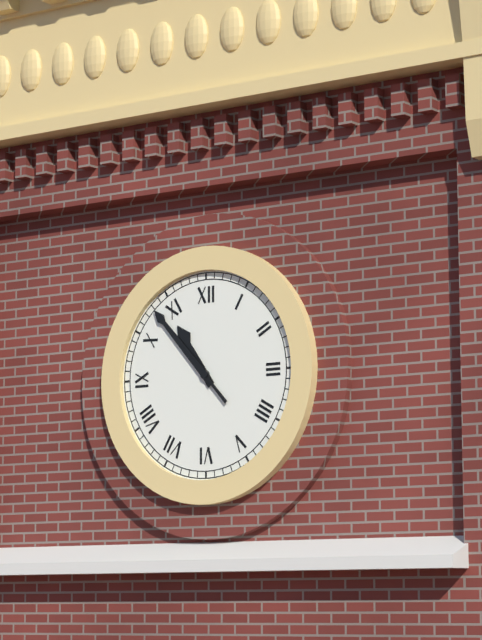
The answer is 10h53
